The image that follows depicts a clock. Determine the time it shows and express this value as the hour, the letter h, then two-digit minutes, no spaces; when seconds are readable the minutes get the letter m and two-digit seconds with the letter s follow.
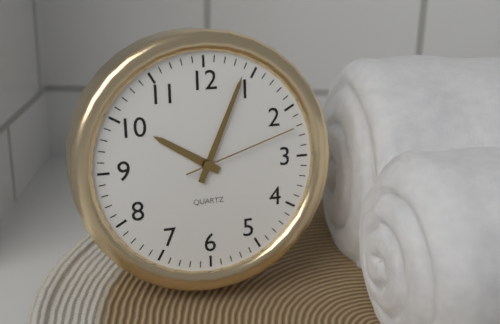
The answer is 10h04m12s
